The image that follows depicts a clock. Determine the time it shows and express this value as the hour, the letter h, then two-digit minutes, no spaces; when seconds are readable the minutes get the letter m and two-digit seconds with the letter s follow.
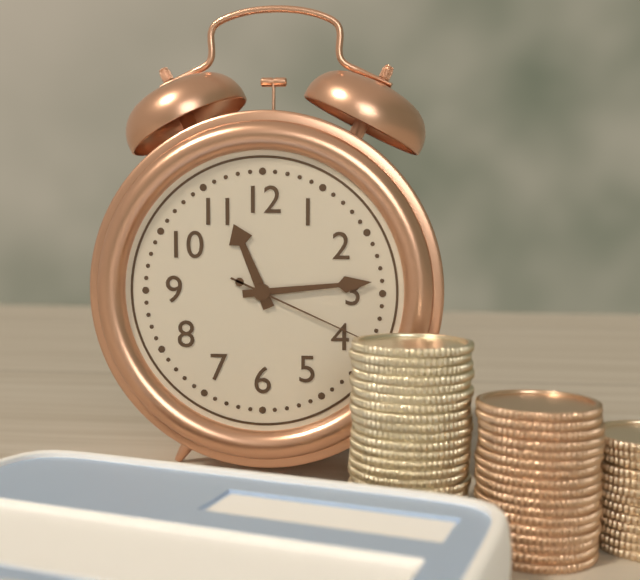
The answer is 11h14m19s
